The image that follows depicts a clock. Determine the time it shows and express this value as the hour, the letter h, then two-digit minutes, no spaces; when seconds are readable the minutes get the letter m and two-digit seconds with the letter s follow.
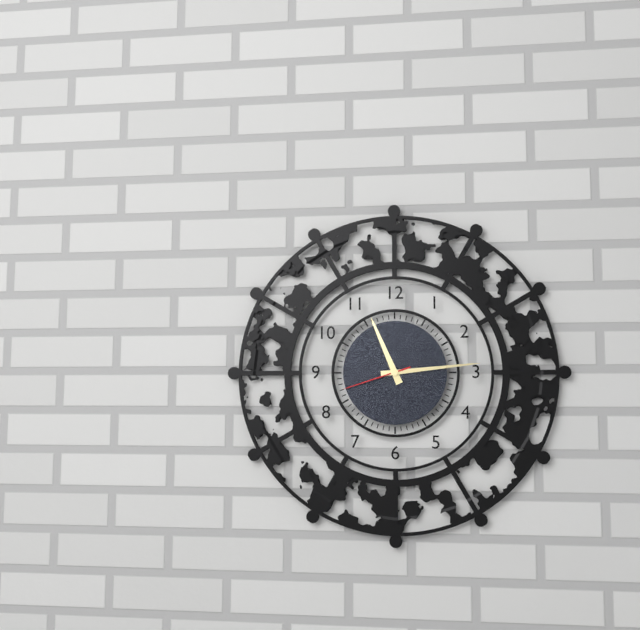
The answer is 11h14m42s
